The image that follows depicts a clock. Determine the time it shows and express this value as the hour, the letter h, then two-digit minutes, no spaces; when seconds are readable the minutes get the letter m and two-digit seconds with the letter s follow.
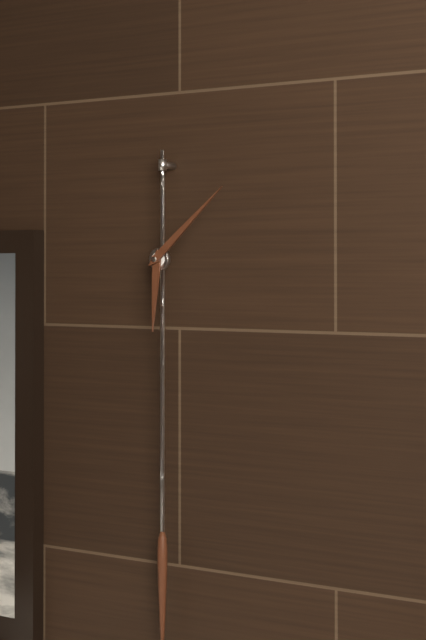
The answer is 6h08
